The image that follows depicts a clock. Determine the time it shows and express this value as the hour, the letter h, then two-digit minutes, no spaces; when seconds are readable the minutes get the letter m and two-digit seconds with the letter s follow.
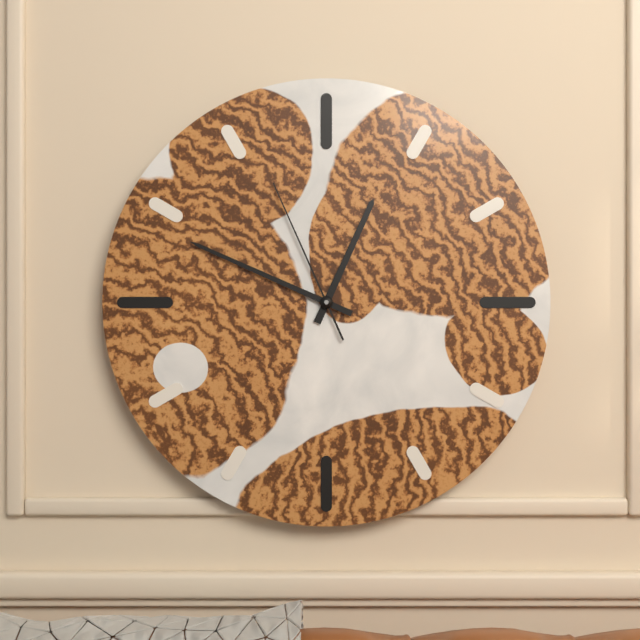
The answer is 12h49m56s
